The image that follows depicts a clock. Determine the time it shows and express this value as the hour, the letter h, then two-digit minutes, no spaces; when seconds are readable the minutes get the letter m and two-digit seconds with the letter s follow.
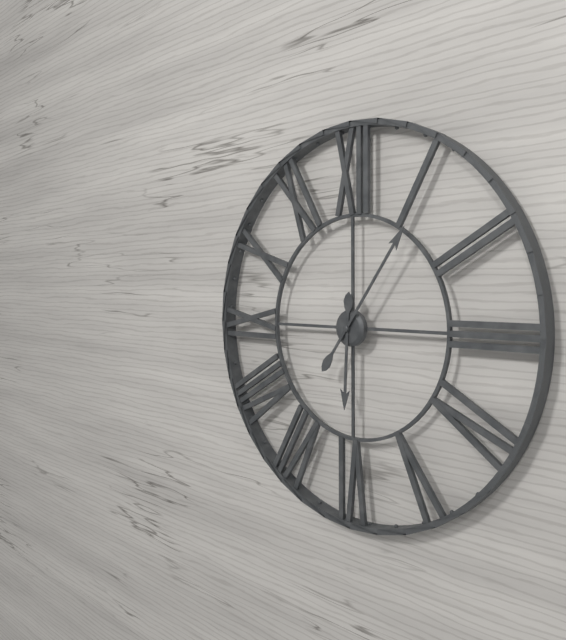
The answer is 6h06
